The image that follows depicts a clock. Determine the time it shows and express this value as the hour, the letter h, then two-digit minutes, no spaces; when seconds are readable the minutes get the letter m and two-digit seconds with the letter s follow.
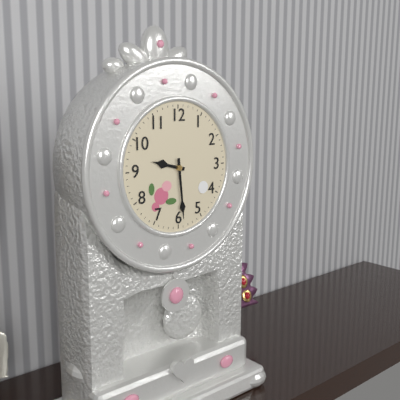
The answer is 9h29
